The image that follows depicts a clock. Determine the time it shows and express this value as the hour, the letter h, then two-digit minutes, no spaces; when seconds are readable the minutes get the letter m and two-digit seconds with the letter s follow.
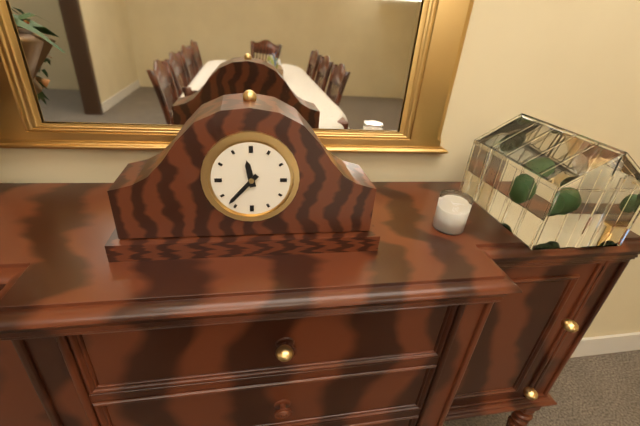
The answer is 11h37
